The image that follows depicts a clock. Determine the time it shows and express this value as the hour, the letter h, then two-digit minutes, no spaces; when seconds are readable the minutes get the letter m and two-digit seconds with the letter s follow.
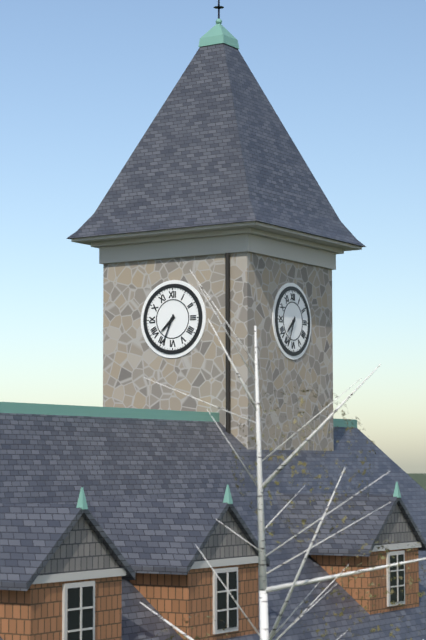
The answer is 7h34
